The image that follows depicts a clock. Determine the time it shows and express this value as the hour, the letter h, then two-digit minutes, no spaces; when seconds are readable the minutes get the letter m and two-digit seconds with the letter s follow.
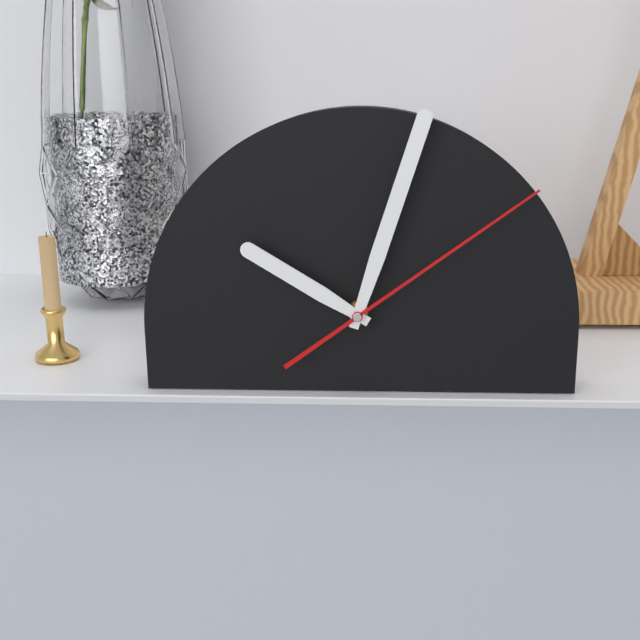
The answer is 10h03m09s
